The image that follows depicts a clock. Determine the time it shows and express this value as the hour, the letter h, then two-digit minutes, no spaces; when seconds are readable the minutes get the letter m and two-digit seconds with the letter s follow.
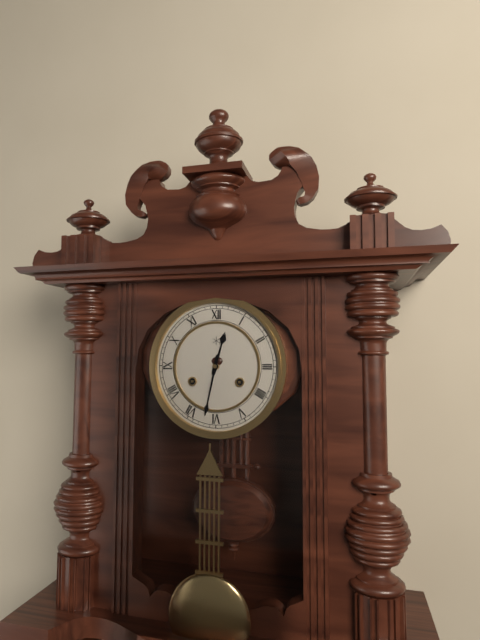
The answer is 12h32
